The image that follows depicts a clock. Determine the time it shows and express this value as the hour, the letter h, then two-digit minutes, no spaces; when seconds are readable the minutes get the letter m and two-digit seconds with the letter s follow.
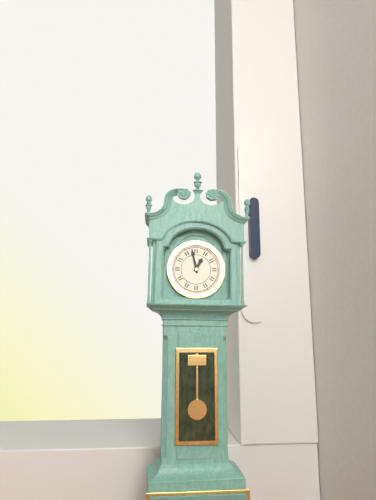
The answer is 12h58
